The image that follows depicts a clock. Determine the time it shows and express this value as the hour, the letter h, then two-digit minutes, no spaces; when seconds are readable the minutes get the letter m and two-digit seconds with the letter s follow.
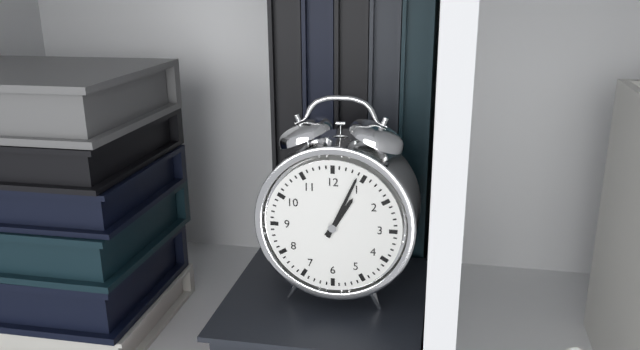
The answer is 1h04
